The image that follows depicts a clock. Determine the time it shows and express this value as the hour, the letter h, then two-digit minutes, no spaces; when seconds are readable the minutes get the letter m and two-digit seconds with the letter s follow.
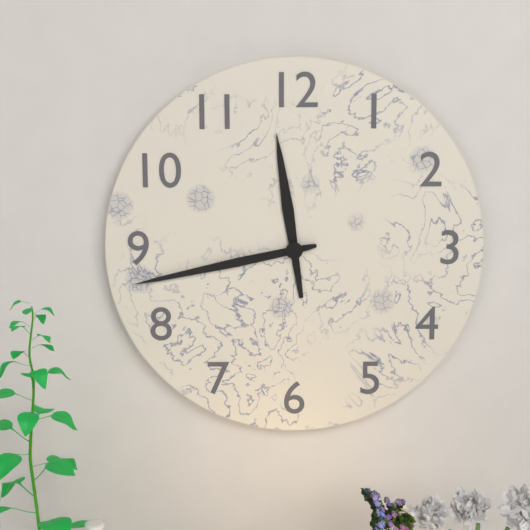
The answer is 11h43
